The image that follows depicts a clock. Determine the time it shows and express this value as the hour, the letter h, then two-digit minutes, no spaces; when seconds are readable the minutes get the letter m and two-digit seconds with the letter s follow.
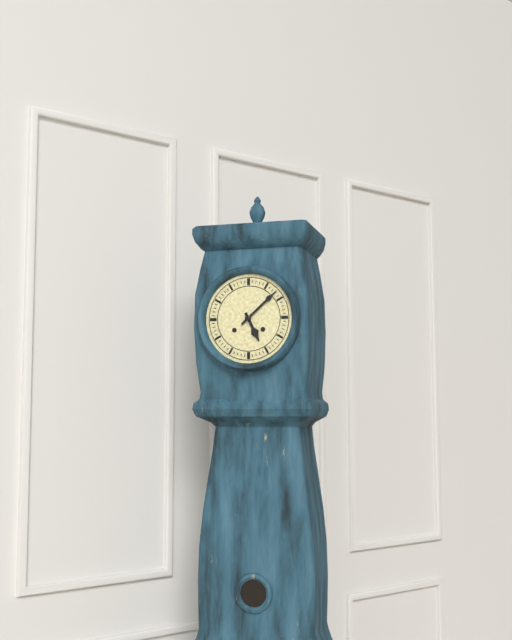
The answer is 5h08
